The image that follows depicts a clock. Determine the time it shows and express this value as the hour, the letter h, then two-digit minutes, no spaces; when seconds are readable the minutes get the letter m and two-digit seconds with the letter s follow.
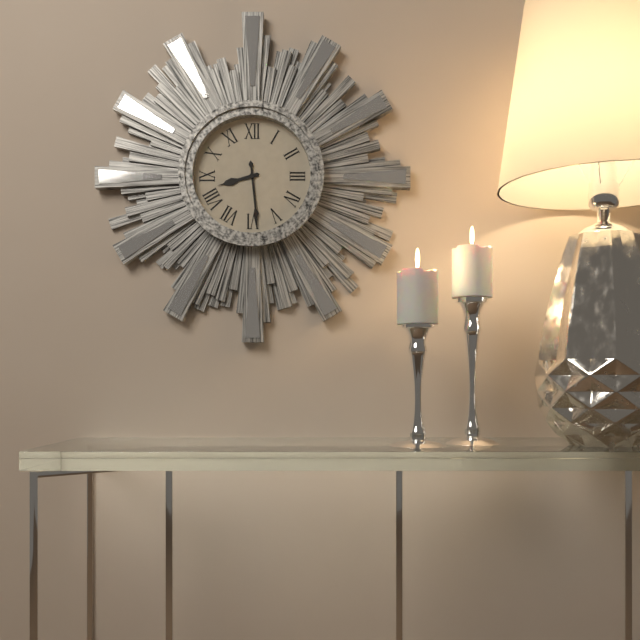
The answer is 8h29
